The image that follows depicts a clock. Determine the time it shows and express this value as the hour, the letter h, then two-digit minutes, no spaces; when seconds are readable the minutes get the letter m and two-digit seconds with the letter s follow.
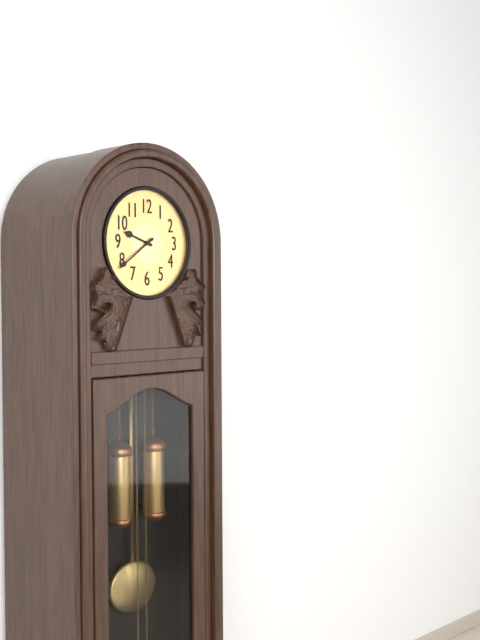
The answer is 9h39
